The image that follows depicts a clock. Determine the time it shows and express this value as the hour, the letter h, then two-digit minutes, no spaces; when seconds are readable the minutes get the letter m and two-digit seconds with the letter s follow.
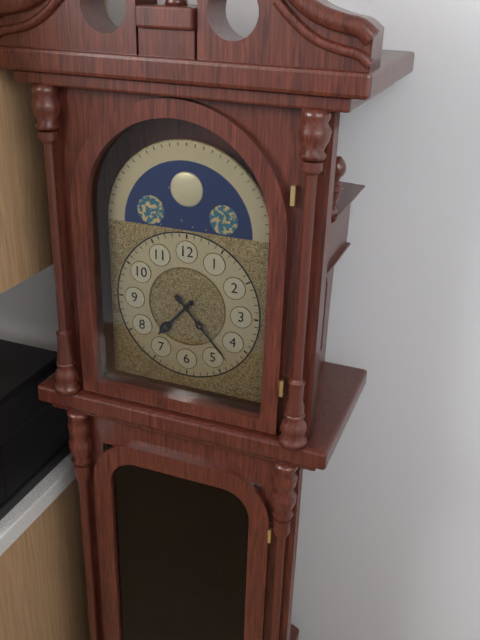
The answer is 7h23
